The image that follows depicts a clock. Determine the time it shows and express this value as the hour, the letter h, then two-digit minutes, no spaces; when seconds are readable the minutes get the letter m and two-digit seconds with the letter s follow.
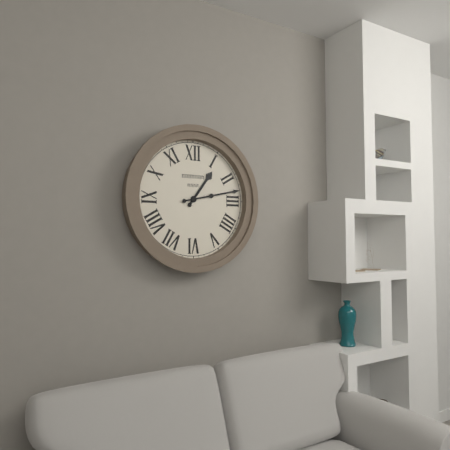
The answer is 1h13
